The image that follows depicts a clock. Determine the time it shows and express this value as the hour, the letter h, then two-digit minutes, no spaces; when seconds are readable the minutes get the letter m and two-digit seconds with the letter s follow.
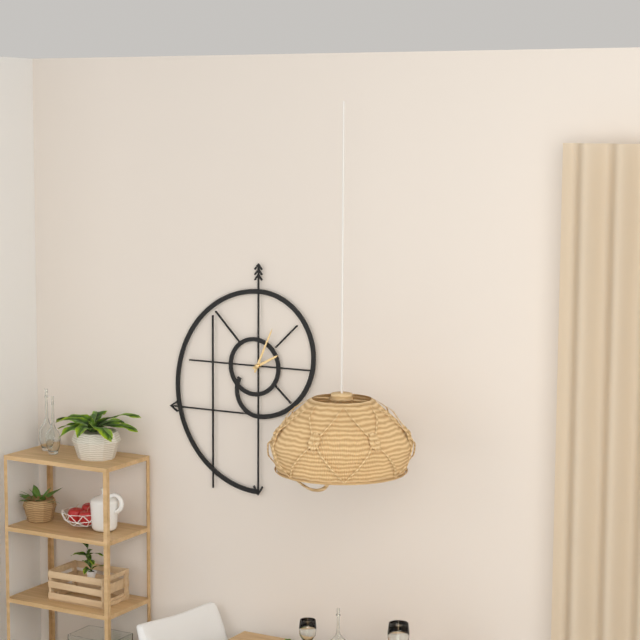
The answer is 2h04
